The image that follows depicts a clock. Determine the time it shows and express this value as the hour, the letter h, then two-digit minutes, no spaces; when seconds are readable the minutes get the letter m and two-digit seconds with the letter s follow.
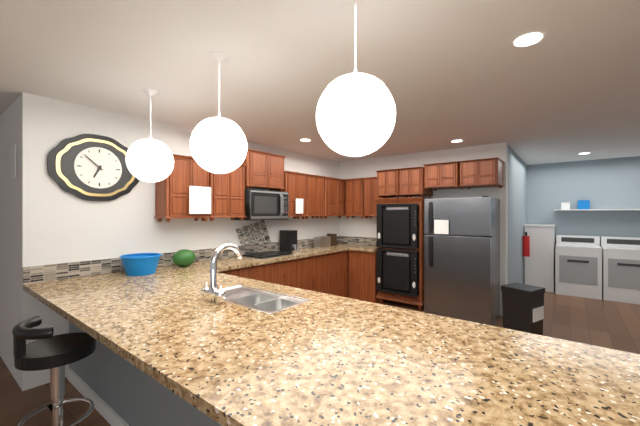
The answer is 6h52
